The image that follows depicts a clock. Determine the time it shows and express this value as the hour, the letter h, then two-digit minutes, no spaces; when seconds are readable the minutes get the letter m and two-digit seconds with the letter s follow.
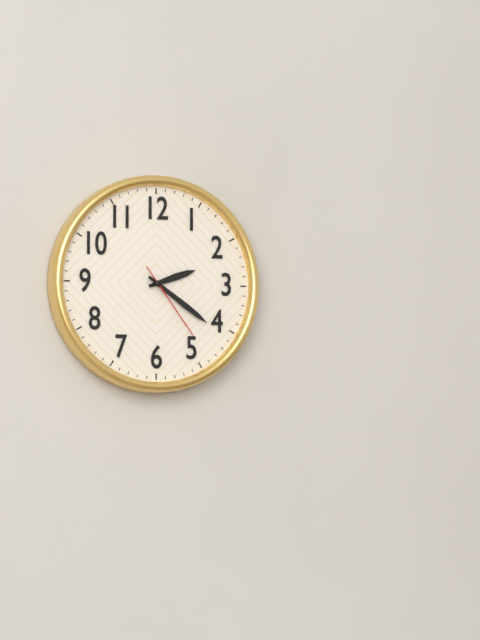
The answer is 2h21m24s
